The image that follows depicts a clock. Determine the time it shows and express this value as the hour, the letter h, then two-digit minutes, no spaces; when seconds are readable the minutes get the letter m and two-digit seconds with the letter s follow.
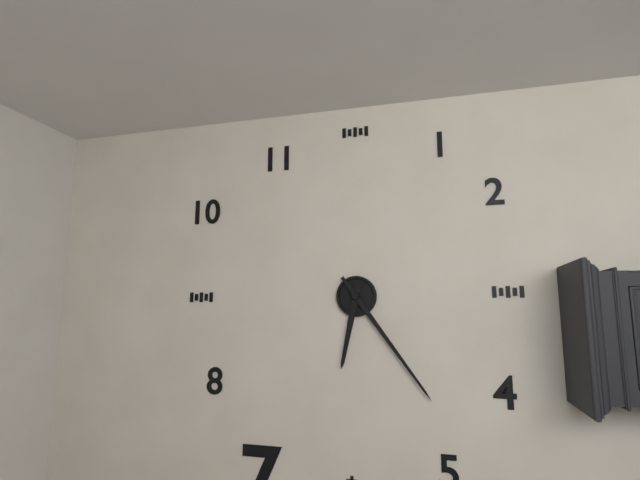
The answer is 6h24
